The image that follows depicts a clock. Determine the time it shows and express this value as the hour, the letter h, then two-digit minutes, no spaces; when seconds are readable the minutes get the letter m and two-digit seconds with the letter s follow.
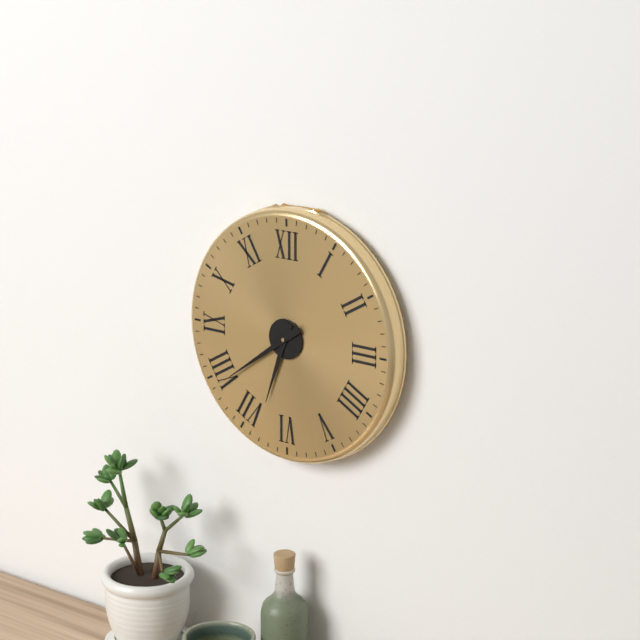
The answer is 6h39
